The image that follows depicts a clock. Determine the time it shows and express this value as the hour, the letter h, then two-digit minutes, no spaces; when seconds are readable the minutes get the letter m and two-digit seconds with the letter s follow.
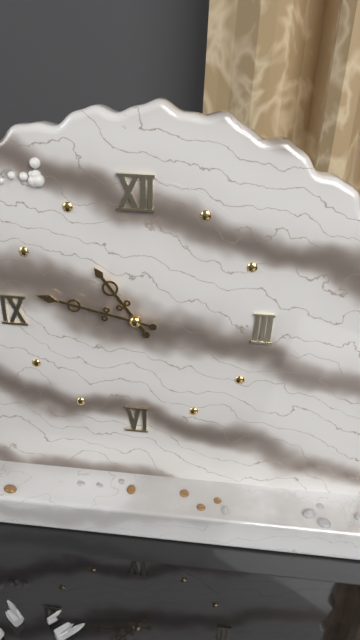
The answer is 10h47
